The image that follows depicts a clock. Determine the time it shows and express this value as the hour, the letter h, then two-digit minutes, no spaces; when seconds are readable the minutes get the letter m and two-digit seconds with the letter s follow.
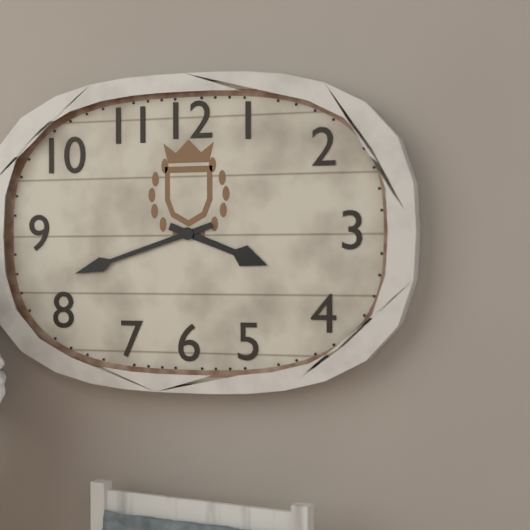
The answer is 3h42
